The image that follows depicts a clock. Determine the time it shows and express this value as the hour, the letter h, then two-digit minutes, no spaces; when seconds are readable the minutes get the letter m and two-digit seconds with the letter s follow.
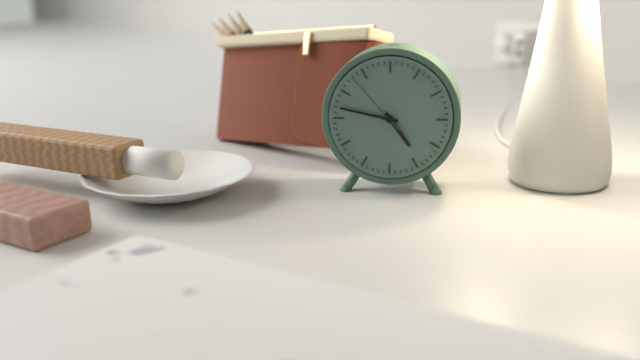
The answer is 4h47m53s
